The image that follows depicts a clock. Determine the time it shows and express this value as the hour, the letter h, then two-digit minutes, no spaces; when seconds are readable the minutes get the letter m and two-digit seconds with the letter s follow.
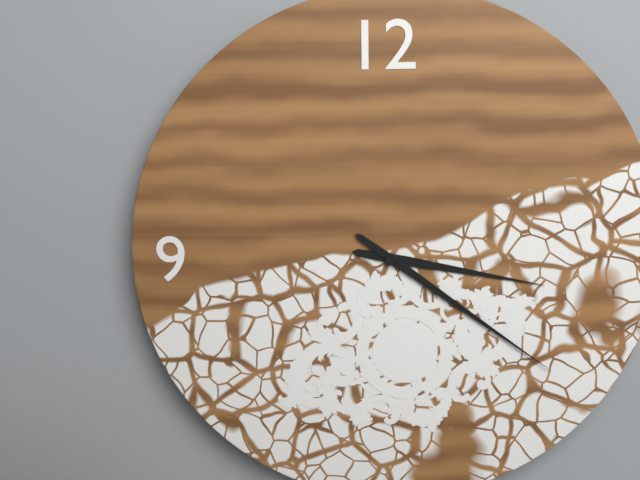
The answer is 3h21
